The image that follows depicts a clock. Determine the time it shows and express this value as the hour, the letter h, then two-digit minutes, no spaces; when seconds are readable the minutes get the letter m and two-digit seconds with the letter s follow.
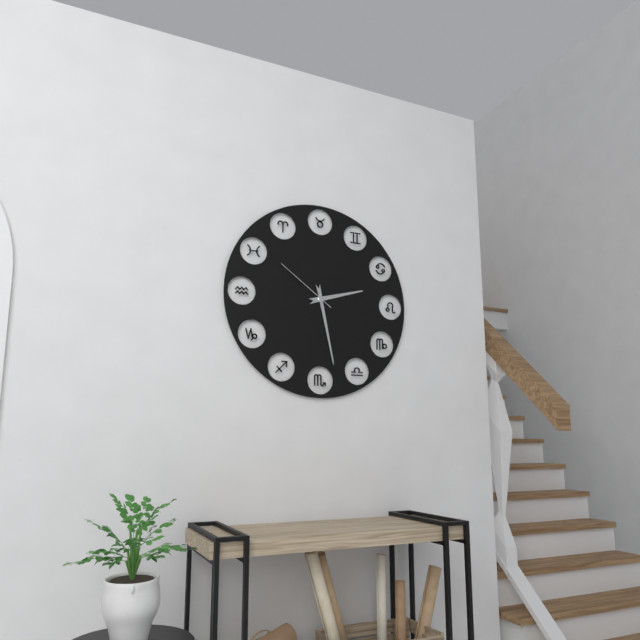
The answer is 2h28m51s
